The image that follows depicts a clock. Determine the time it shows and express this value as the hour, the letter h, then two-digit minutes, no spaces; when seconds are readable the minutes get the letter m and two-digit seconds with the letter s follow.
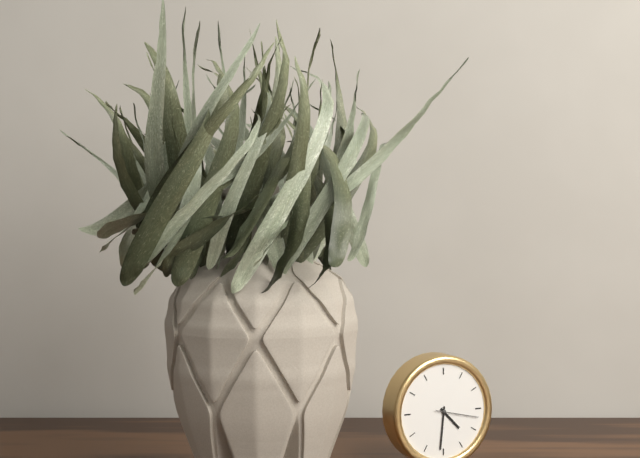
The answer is 4h31
